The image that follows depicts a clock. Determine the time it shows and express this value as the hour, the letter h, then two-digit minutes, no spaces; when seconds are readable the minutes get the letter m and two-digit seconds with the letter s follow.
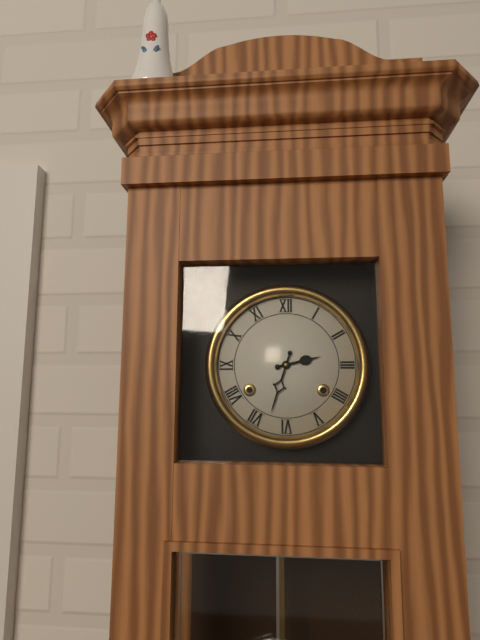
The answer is 2h33
